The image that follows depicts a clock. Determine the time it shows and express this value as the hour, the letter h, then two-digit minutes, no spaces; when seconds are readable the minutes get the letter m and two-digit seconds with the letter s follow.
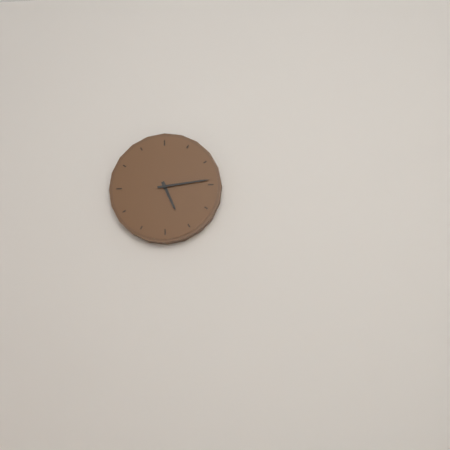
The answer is 5h14
